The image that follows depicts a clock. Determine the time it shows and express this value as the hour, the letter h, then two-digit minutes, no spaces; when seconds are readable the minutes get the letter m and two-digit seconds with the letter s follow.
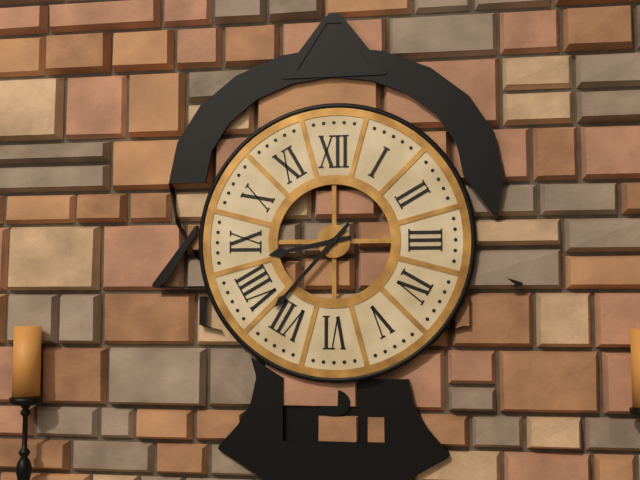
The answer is 8h37
